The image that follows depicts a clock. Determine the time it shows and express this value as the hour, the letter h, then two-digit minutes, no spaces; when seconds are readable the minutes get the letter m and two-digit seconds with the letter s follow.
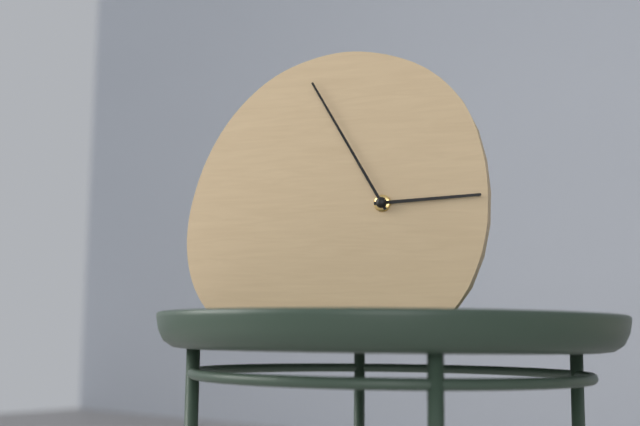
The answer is 2h55
